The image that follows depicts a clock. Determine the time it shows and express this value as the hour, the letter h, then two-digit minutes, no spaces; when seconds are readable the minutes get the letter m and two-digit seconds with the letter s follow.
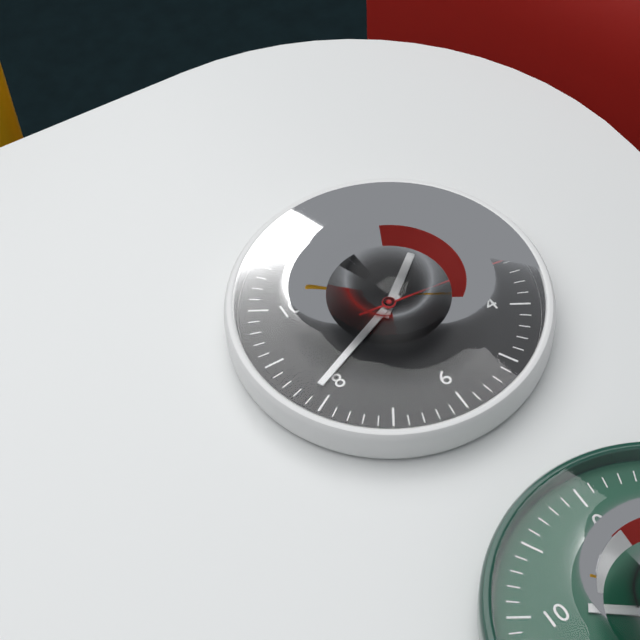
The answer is 1h41m16s
